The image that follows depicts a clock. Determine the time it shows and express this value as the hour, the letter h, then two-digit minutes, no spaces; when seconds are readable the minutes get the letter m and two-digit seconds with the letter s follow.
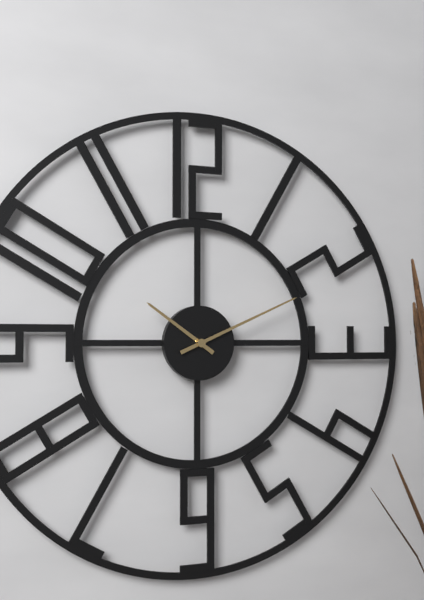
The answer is 10h11
